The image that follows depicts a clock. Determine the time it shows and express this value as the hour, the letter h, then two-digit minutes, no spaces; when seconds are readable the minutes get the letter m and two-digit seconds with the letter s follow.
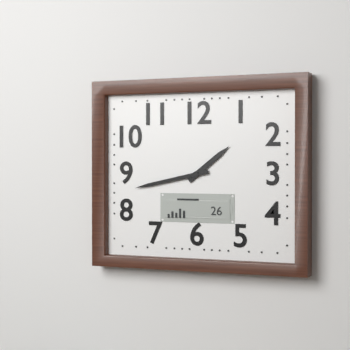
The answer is 1h43
